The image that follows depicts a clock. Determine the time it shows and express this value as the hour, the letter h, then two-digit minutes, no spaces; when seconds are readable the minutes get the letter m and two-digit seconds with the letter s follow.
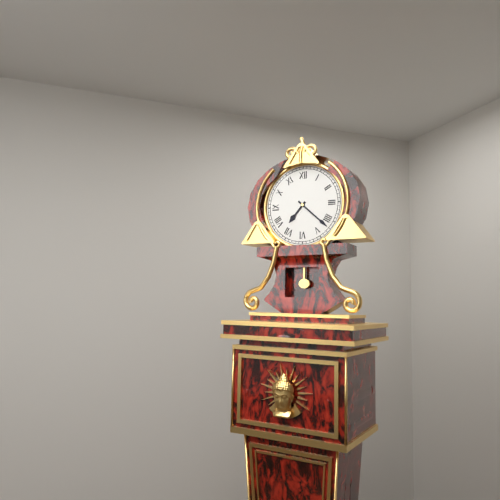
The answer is 7h22
